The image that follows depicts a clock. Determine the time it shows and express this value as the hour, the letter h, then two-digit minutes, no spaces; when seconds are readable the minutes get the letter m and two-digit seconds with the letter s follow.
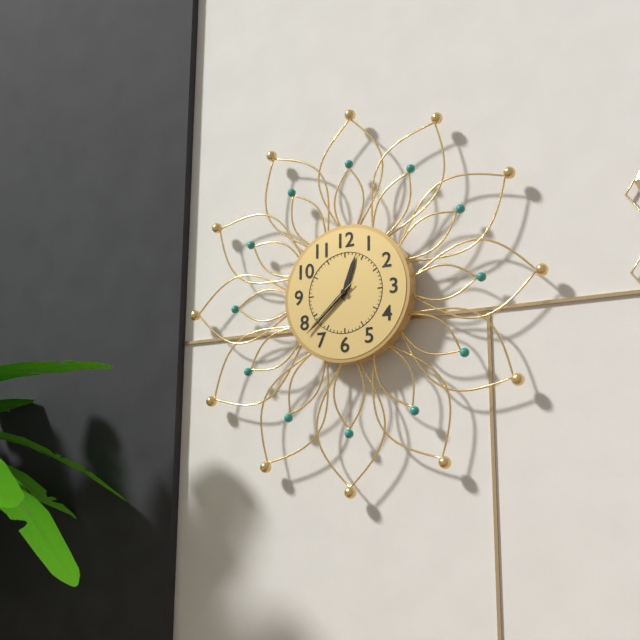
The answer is 12h38m38s
